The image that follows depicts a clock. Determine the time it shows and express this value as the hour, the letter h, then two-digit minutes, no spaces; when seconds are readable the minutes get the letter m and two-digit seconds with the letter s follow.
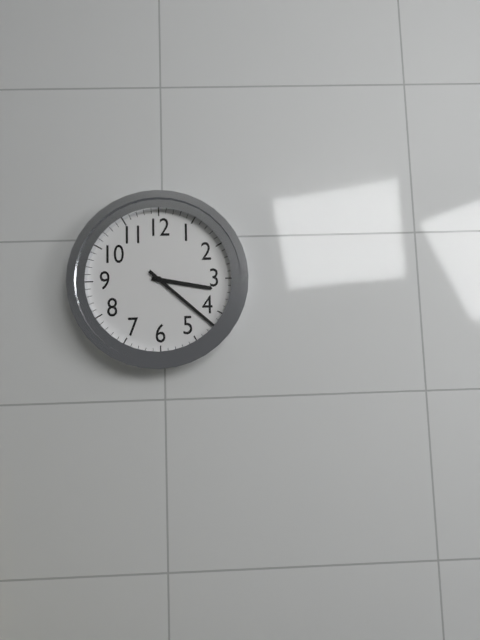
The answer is 3h22
